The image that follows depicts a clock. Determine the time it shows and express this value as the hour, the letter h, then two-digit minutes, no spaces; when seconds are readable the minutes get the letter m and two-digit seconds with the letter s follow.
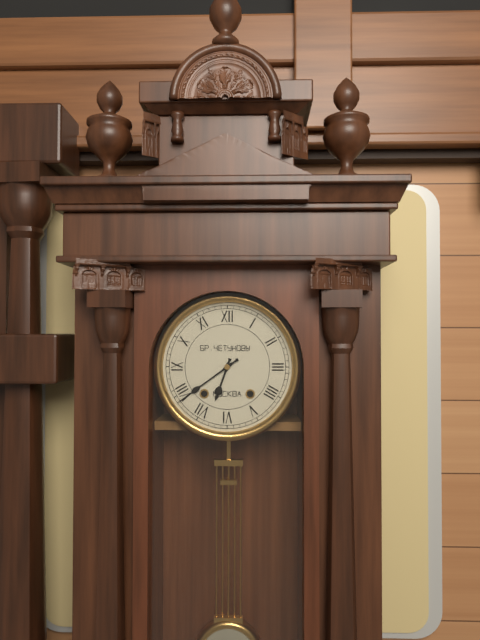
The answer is 6h39
